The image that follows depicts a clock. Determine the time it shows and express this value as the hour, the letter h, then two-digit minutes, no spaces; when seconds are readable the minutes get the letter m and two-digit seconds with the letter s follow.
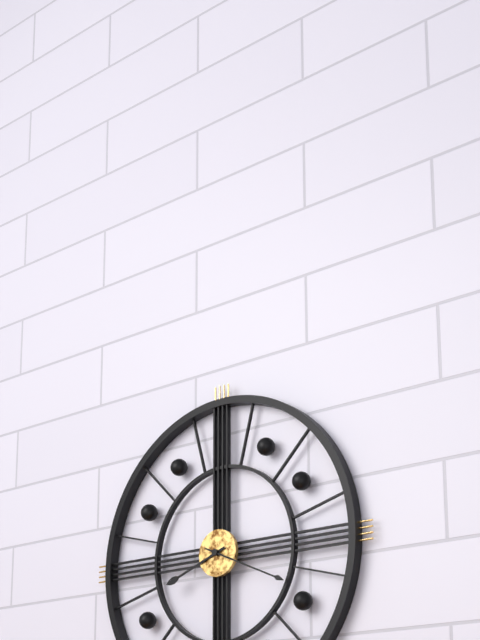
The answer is 8h19
